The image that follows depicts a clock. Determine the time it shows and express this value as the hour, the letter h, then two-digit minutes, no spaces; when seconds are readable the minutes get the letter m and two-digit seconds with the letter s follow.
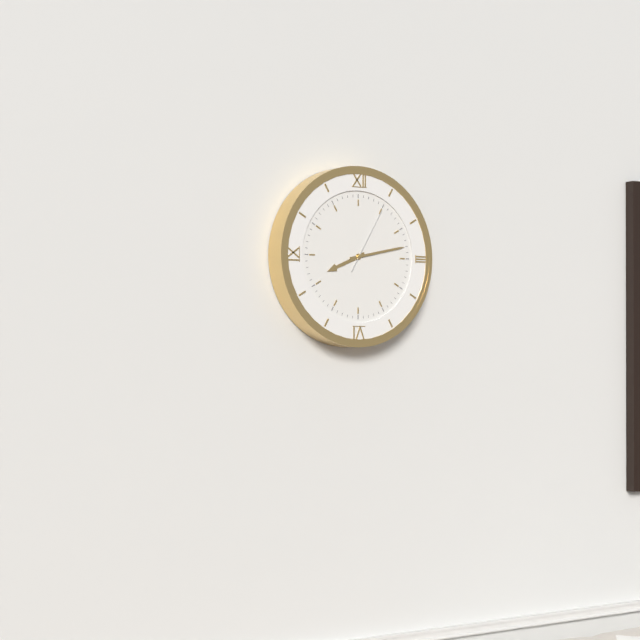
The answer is 8h13m05s
